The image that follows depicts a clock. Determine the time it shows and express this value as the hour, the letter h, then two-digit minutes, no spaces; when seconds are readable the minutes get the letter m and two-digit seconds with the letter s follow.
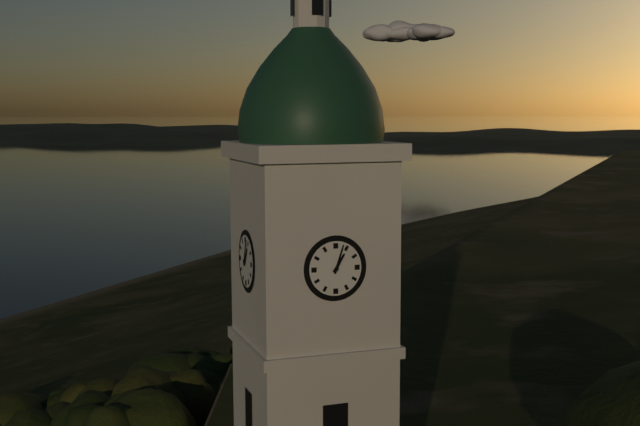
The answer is 1h03
